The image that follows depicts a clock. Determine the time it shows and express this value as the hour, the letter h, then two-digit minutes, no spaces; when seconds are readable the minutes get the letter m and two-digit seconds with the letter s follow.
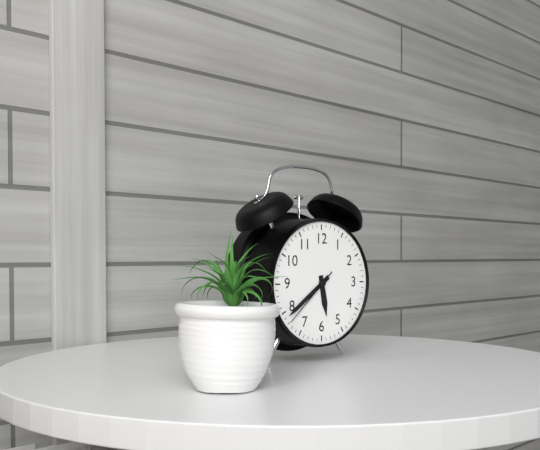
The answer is 5h39m38s
